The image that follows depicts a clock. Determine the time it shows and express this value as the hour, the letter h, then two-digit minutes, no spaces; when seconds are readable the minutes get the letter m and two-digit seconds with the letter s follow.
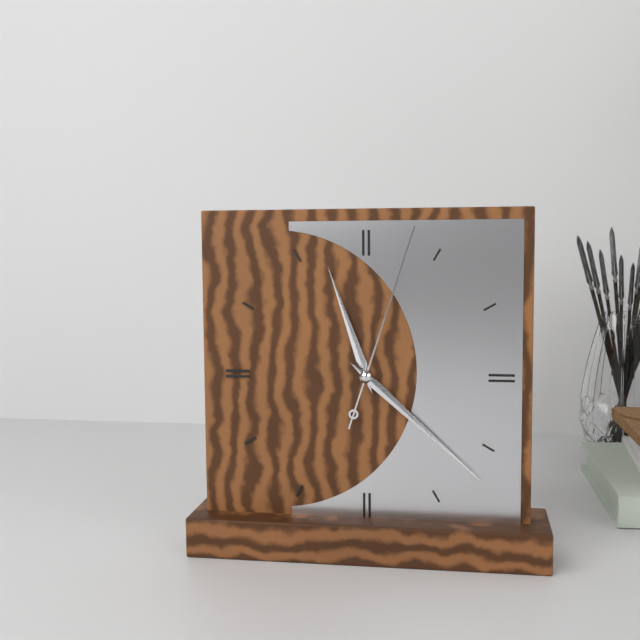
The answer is 11h22m03s
